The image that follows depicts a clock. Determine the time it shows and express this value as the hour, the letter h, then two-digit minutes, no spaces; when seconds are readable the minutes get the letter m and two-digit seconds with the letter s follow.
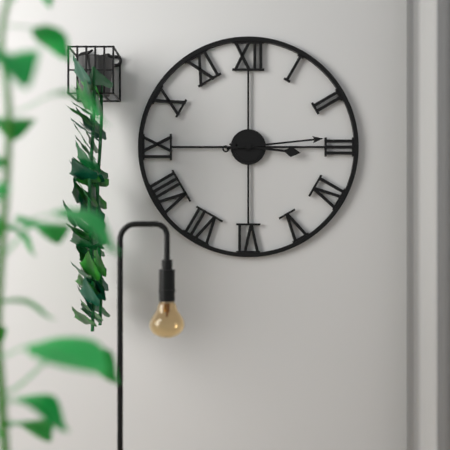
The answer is 3h14
